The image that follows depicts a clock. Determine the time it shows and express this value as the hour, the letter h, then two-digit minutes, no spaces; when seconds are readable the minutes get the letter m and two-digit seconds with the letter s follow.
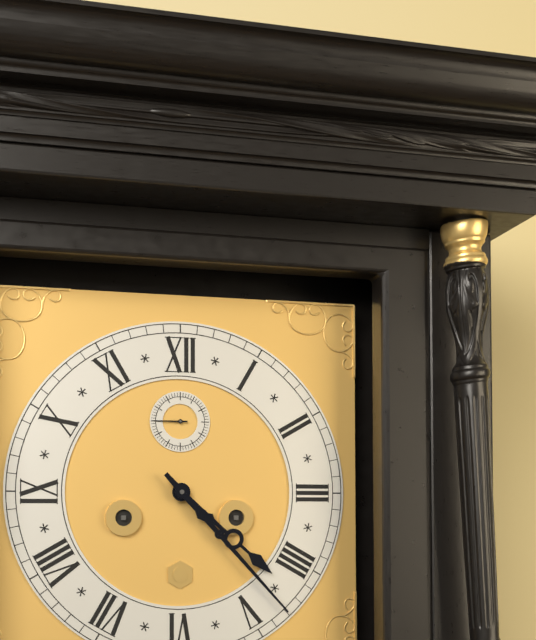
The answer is 4h23
